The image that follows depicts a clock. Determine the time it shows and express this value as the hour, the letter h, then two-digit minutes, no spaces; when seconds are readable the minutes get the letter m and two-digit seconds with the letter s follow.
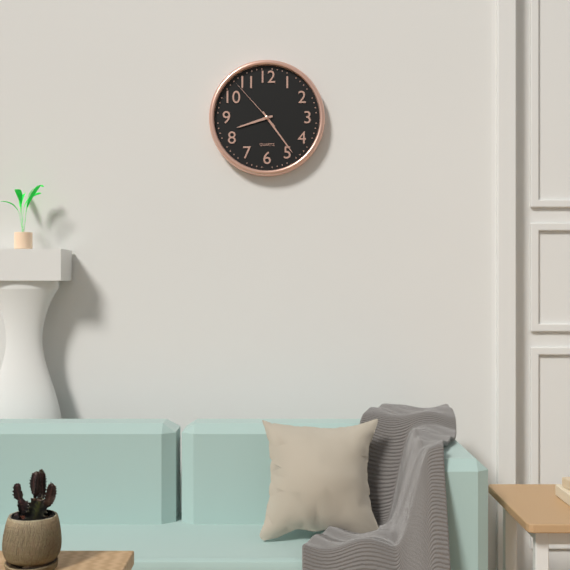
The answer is 8h24m53s
